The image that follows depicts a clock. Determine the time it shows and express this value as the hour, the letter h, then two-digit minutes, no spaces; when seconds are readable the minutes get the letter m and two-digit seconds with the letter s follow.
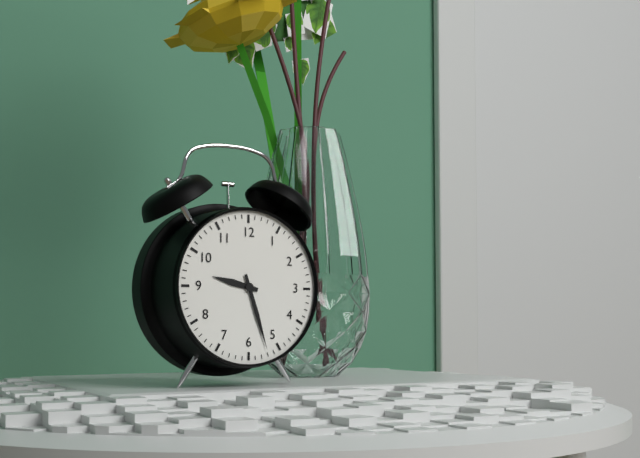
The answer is 9h27
